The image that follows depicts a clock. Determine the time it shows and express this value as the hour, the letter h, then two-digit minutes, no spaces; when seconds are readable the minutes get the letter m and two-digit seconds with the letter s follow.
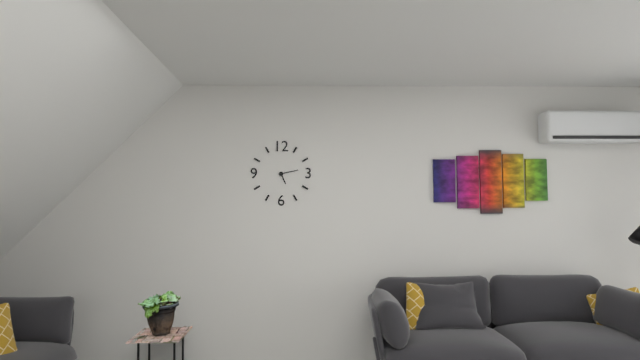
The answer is 5h13
